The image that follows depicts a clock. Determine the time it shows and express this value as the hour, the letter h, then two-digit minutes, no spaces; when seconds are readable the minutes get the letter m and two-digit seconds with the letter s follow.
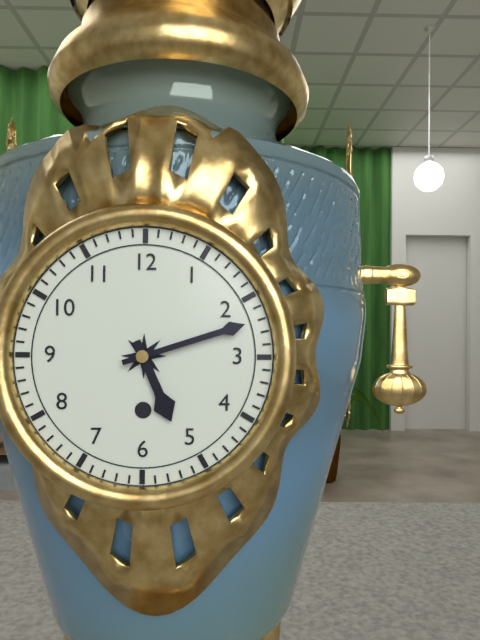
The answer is 5h12
